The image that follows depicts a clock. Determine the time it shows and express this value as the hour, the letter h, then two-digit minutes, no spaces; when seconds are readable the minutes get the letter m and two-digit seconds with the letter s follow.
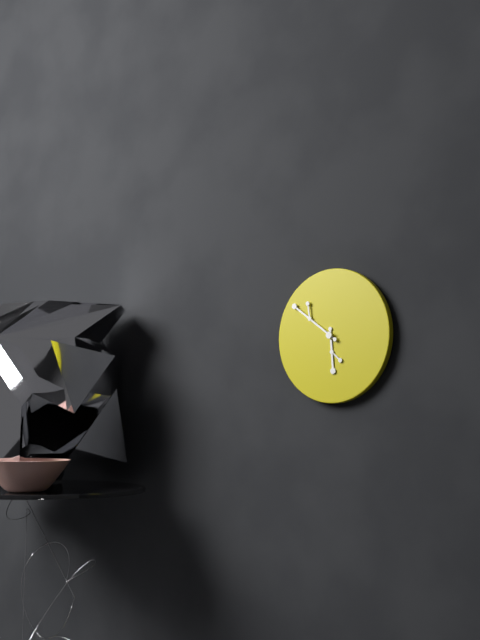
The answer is 5h51
